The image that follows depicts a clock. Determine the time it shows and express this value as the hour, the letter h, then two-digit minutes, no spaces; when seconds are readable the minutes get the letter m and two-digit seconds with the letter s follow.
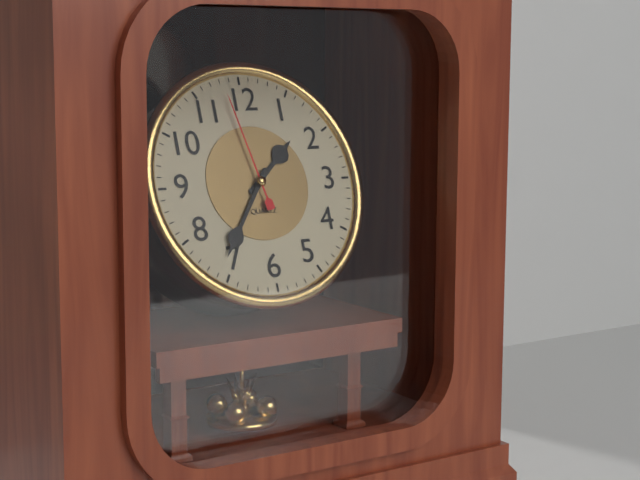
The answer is 1h36m58s
